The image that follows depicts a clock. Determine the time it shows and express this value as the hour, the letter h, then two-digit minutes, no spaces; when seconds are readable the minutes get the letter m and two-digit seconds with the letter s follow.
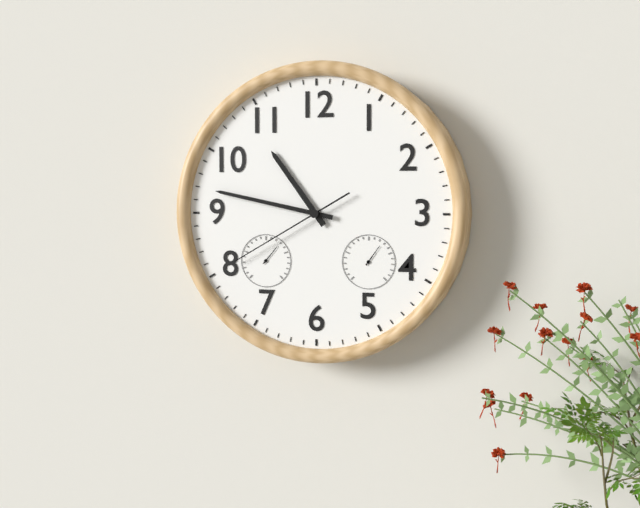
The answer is 10h47m40s
